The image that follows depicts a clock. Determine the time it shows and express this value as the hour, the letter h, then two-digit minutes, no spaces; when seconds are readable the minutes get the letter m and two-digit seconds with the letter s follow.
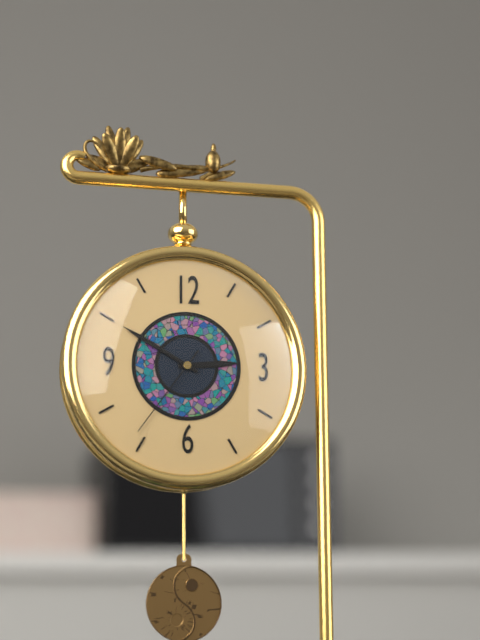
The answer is 2h50m36s
